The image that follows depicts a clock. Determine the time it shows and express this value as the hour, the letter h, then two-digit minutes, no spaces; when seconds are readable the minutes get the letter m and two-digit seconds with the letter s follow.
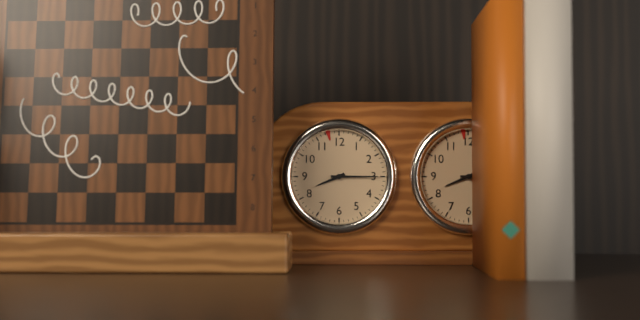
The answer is 8h15
